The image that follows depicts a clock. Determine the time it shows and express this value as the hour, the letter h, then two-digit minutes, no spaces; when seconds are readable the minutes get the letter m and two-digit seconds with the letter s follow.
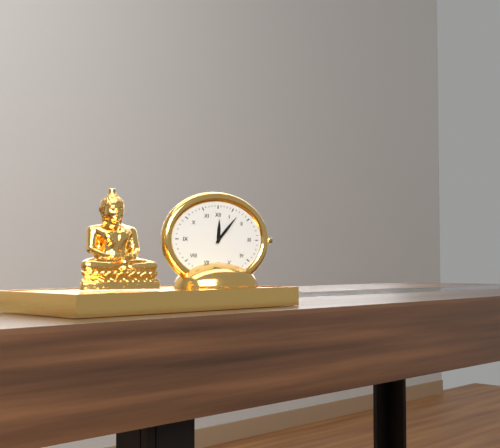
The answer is 12h07
